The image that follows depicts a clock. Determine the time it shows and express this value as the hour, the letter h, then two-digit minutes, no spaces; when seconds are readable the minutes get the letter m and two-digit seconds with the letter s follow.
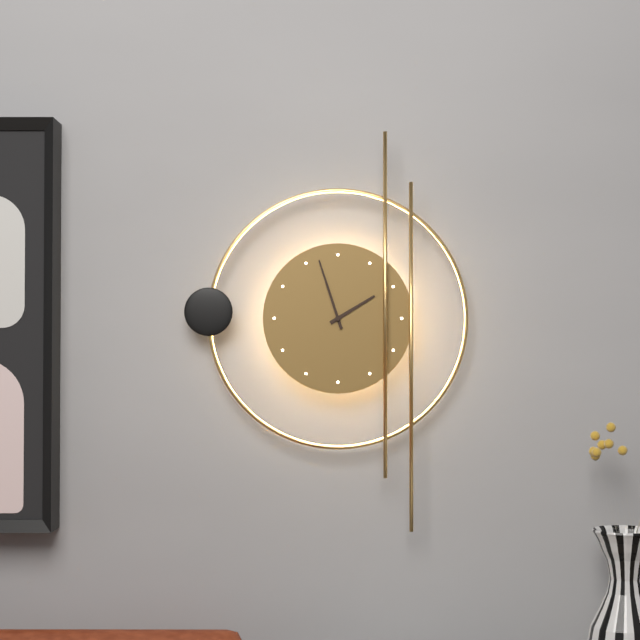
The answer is 1h57
